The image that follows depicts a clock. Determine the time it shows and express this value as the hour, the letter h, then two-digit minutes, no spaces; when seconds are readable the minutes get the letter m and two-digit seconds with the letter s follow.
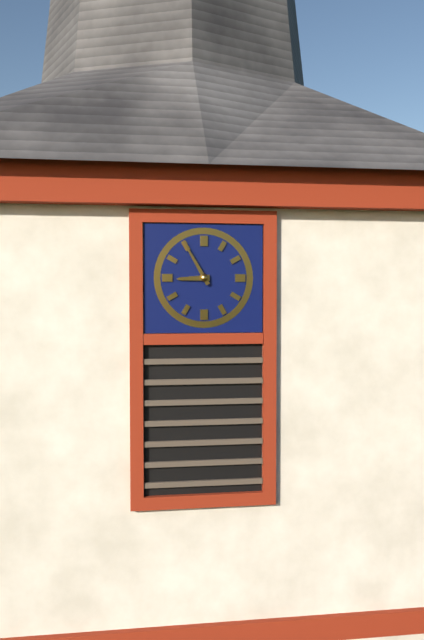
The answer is 8h55
